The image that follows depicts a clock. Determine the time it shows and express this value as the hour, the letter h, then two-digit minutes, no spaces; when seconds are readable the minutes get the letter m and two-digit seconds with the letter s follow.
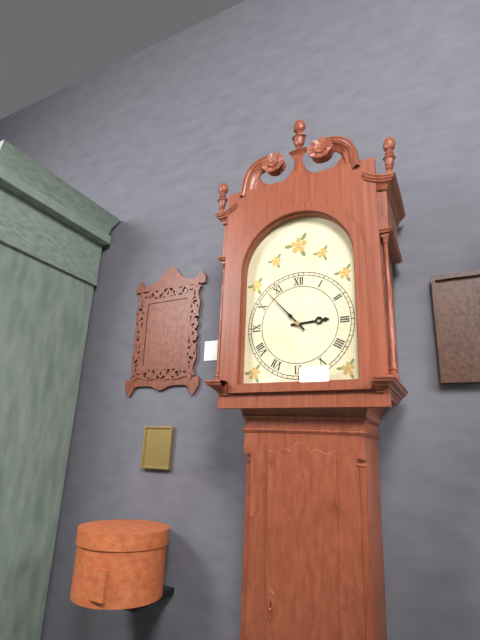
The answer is 2h53
